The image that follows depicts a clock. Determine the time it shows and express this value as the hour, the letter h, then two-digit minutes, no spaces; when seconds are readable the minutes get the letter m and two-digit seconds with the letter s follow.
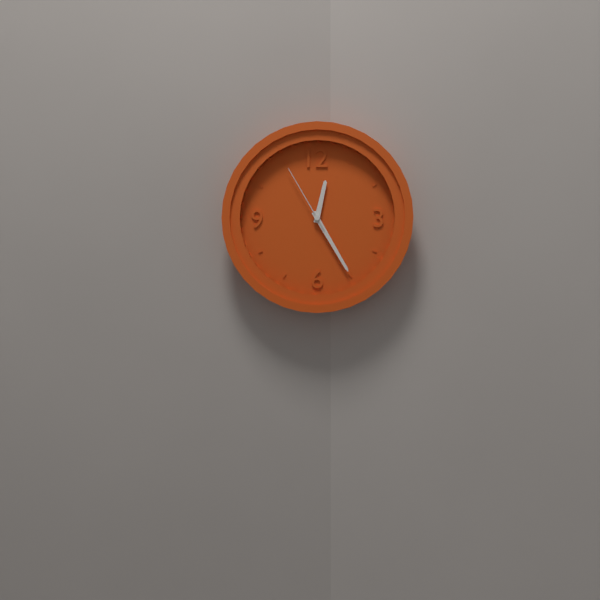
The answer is 12h25m55s
